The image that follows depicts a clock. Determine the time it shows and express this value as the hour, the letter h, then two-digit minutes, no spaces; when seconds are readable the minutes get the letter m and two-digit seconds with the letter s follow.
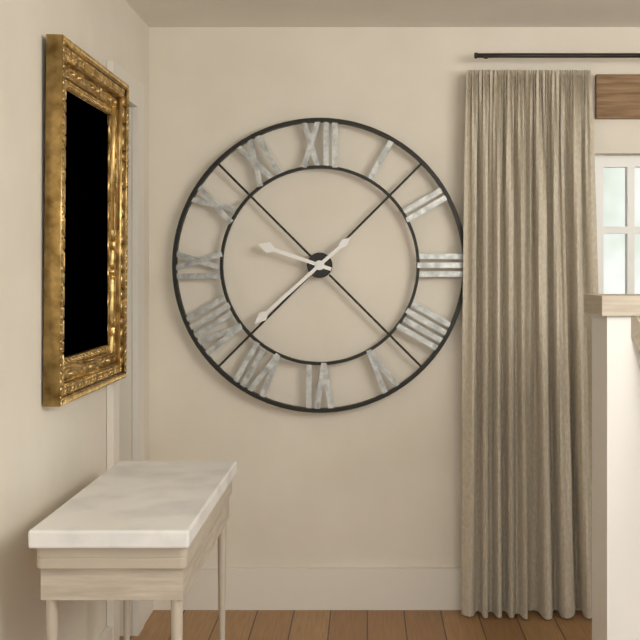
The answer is 9h38
